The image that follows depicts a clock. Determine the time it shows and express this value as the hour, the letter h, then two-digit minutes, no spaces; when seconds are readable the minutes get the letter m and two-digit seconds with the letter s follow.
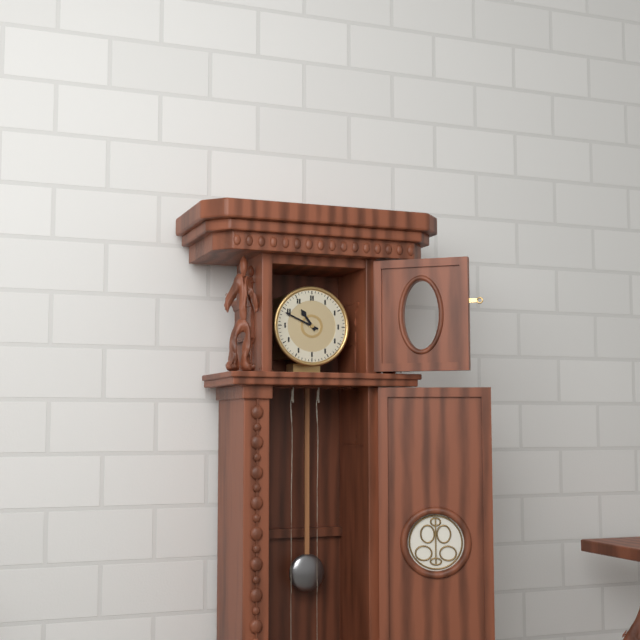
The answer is 10h49
